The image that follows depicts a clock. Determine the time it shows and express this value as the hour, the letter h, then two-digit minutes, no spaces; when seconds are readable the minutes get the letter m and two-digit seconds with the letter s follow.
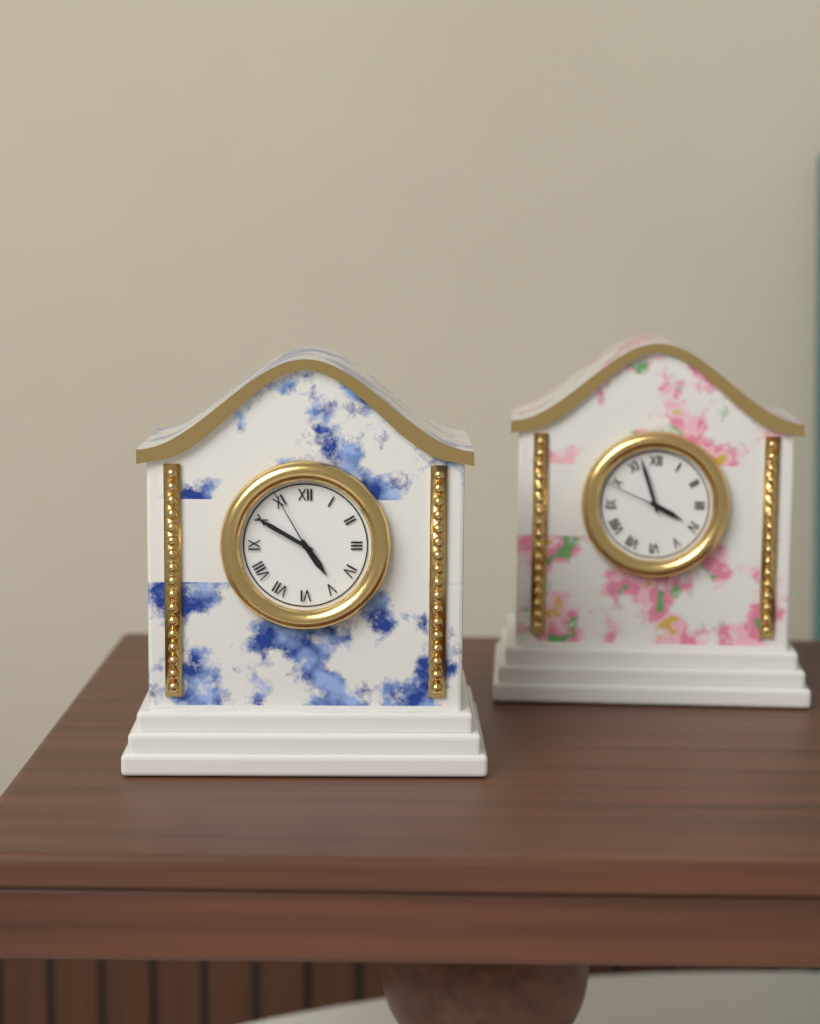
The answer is 4h50m55s
